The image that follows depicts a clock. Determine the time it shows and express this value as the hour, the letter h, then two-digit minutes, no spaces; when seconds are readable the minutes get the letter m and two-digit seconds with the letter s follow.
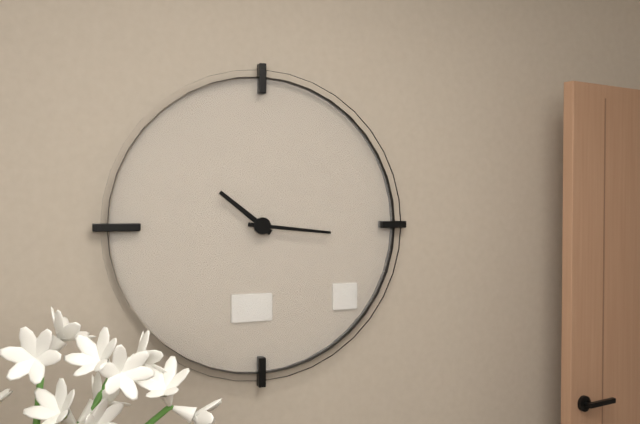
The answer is 10h16
